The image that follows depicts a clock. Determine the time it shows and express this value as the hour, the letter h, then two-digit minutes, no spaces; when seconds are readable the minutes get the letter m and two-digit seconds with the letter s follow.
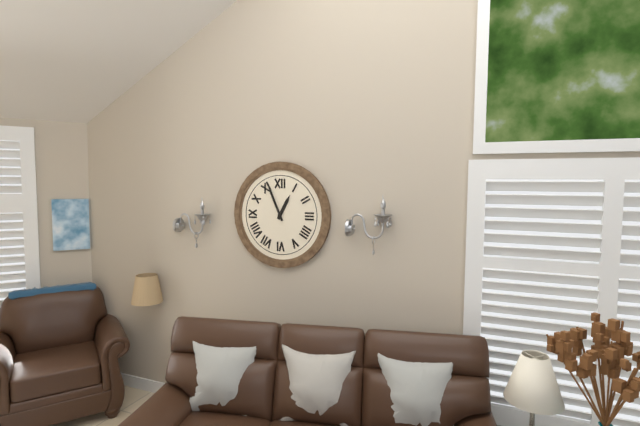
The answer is 12h56
